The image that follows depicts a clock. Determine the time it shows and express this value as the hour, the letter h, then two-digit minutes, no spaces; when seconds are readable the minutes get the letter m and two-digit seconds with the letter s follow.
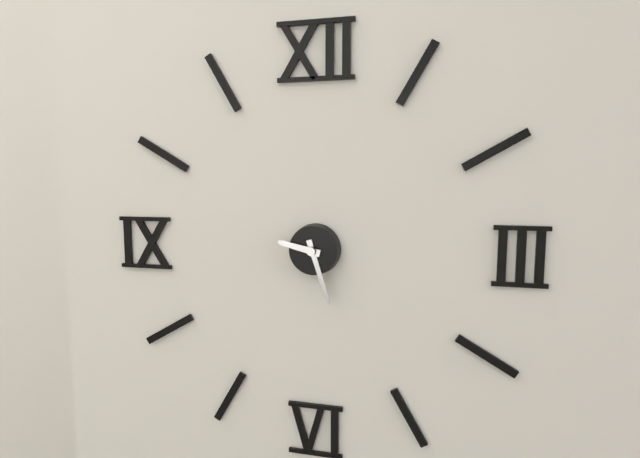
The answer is 9h27
